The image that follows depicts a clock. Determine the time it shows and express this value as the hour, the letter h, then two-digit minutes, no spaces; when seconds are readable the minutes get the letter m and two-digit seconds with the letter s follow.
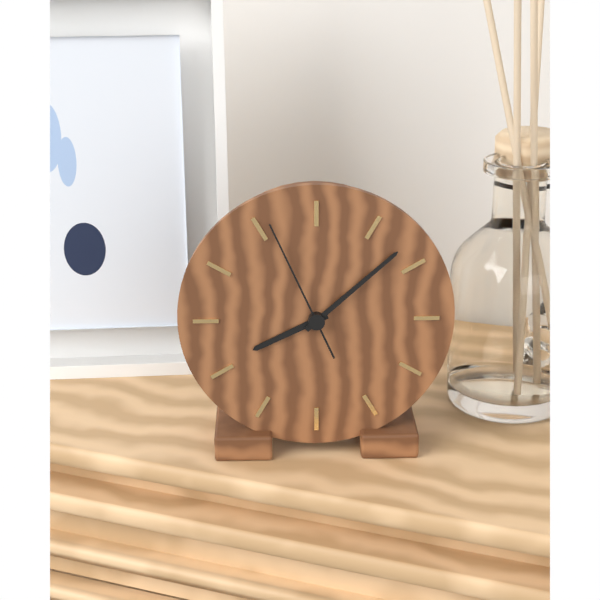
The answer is 8h08m56s
